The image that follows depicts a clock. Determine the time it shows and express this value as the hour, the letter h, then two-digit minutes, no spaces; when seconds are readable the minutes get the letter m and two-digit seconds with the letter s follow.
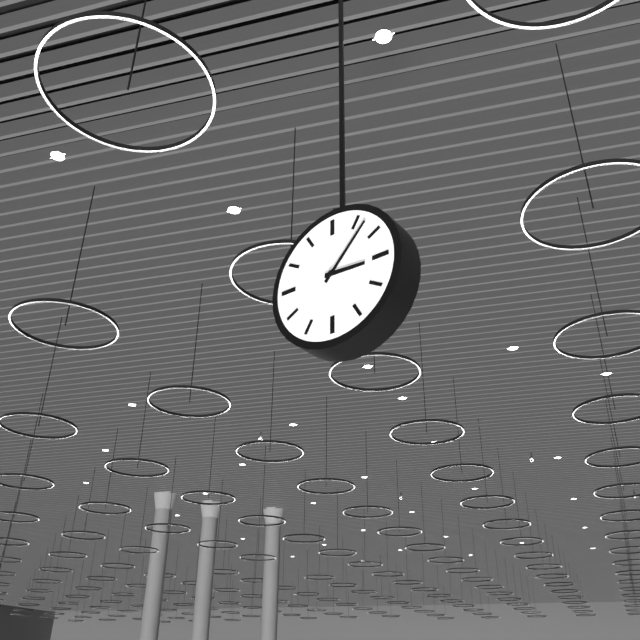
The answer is 3h07
